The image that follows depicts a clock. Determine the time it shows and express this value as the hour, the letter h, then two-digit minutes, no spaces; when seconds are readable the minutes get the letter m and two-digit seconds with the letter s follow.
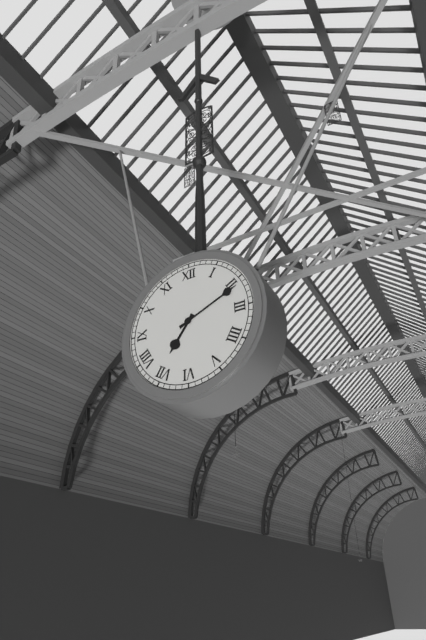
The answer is 7h11
